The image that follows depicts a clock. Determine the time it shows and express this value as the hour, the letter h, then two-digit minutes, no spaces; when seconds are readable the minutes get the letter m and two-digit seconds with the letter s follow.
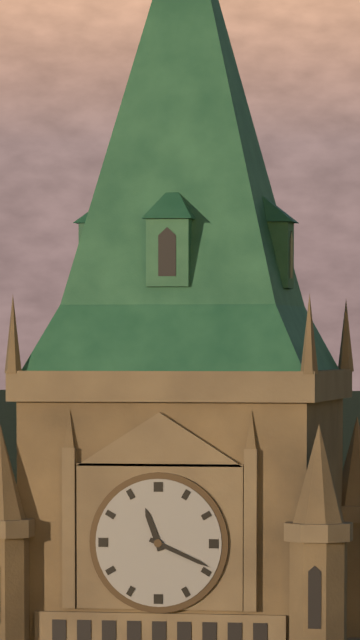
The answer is 11h19
